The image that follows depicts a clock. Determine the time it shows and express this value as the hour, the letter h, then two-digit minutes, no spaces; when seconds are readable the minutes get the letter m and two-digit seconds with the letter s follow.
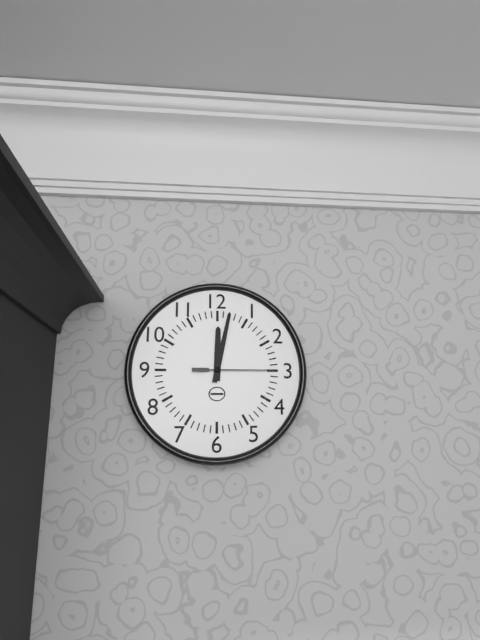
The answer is 12h02m15s
